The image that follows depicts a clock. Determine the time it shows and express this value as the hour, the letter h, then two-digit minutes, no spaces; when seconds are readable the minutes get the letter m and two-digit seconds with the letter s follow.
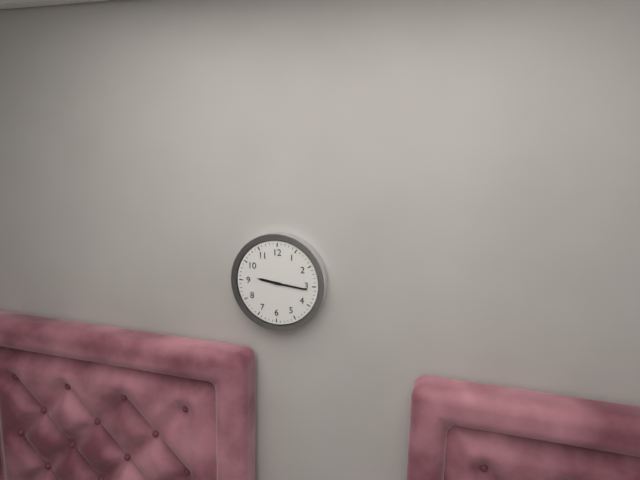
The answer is 9h16
